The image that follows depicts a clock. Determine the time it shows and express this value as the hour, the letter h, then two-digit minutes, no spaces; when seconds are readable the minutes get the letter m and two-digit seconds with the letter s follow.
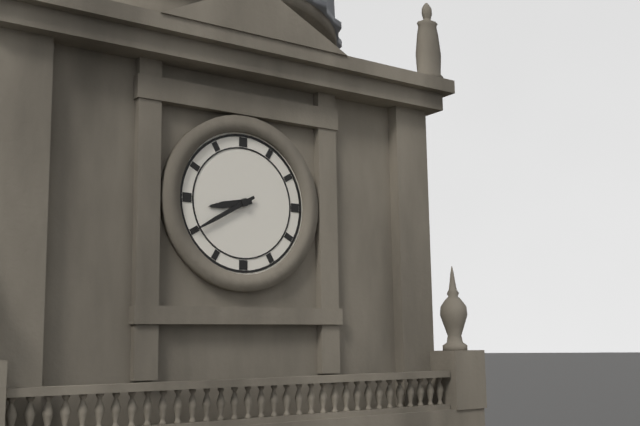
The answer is 8h40
